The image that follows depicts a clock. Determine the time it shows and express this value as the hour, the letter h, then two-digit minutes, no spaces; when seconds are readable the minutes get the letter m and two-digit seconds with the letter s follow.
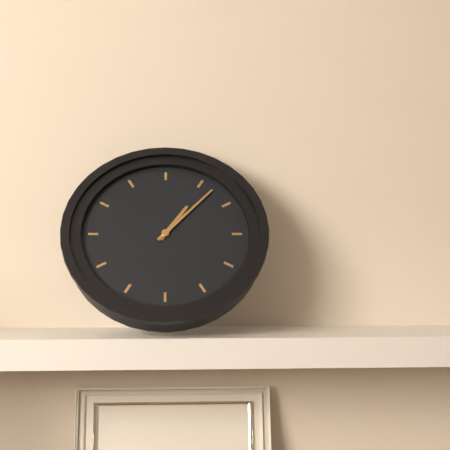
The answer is 1h07
